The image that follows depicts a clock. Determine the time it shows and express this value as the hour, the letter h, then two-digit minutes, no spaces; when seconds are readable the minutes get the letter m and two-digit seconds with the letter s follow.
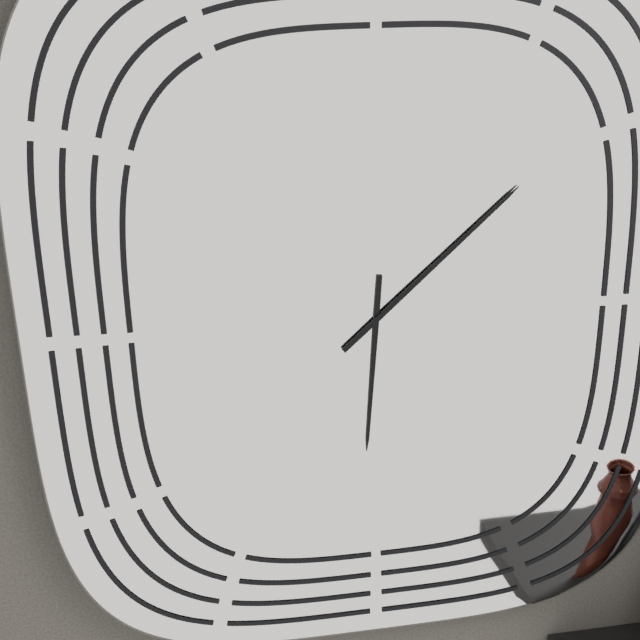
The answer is 6h08
